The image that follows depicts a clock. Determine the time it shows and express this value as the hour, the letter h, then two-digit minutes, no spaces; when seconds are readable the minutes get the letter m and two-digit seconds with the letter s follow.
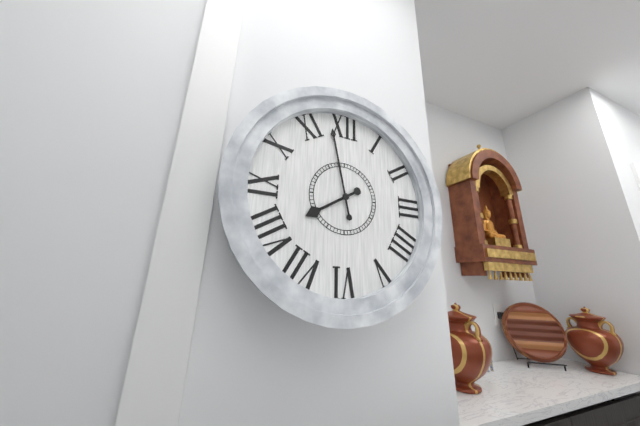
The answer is 7h58
